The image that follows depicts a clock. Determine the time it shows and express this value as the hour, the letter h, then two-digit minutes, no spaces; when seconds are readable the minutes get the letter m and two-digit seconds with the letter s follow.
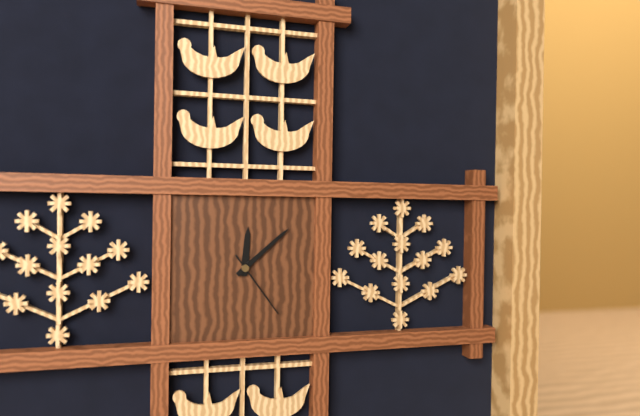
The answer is 12h08m24s
